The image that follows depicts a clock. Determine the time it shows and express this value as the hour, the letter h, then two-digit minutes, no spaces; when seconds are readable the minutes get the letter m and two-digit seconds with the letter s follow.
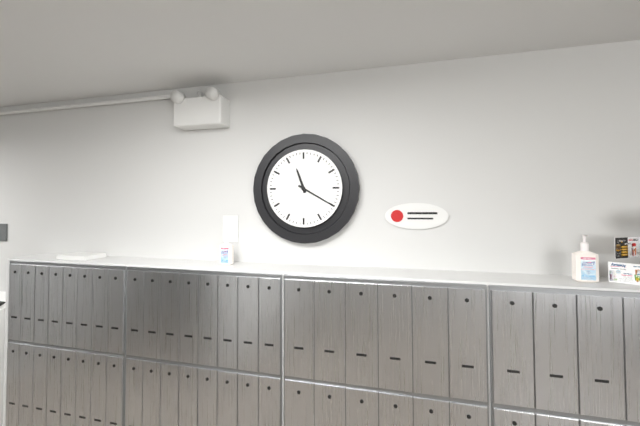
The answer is 11h20
